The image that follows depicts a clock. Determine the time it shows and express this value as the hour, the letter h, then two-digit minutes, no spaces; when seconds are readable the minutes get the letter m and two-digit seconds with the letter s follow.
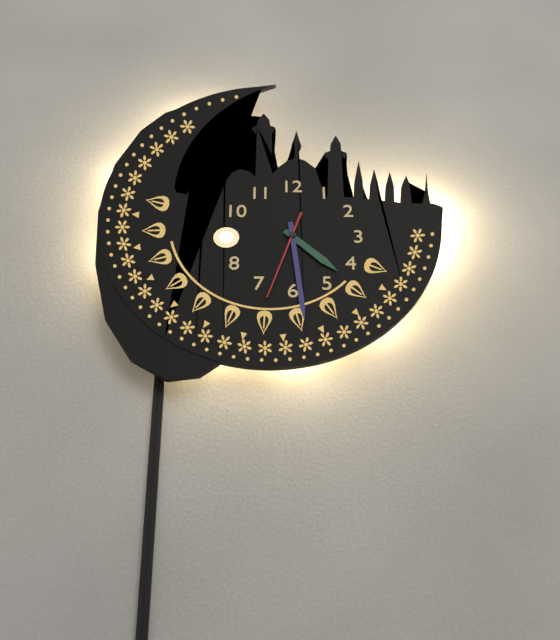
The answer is 4h29m33s
